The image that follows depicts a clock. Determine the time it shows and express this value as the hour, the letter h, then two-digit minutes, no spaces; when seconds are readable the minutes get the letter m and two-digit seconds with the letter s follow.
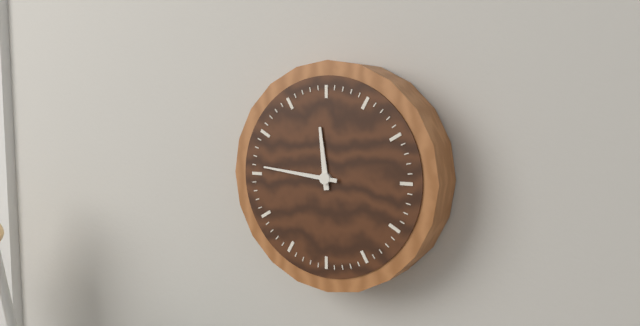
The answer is 11h46
